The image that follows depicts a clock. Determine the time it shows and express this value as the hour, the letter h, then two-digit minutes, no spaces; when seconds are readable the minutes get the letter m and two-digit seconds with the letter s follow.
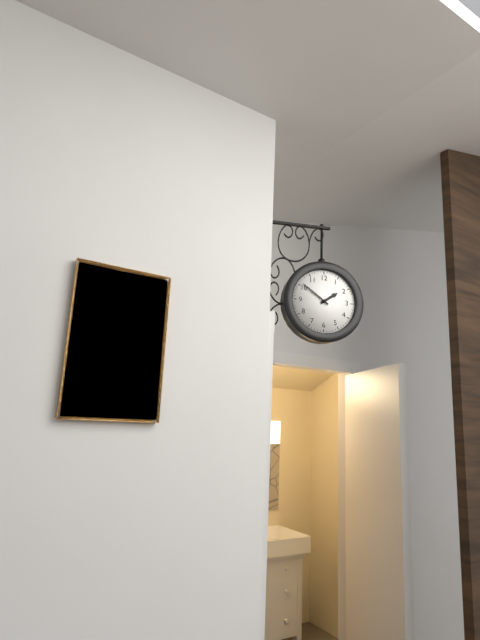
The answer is 1h51
